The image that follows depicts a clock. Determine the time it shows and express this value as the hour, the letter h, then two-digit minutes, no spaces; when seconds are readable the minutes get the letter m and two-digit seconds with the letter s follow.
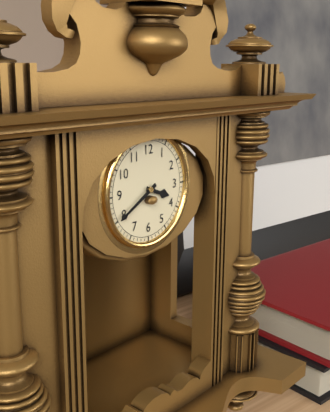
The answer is 3h40
